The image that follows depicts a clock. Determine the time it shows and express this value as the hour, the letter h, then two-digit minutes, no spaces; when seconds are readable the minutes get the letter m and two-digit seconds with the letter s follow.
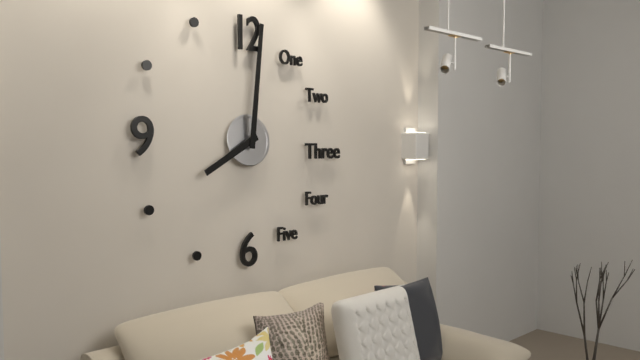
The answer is 8h01
